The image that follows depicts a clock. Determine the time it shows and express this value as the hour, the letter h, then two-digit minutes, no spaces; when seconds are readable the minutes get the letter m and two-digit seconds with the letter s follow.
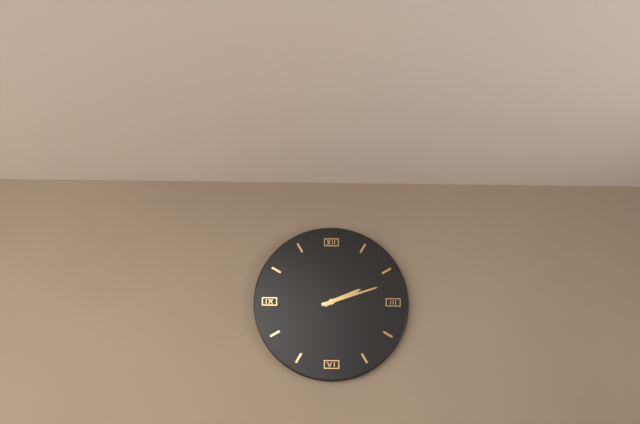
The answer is 2h12
